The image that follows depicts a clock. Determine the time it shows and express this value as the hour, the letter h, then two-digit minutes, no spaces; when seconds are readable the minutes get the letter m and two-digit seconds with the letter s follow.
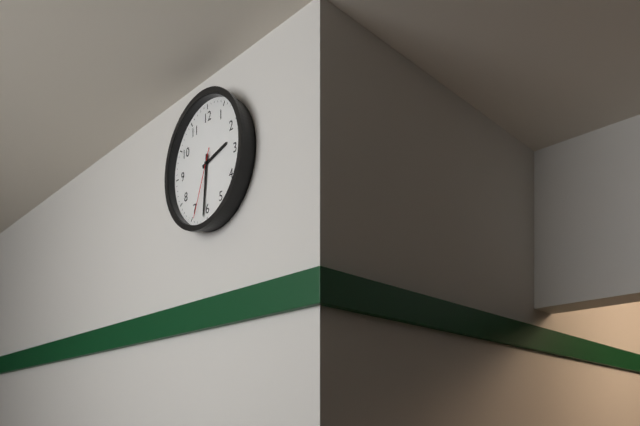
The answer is 2h31m34s
